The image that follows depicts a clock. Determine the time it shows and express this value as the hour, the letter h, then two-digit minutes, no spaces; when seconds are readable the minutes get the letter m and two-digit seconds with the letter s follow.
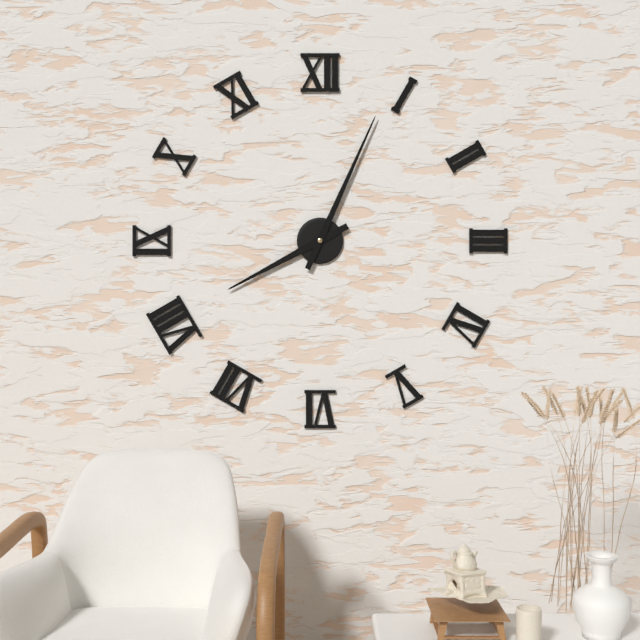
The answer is 8h04
